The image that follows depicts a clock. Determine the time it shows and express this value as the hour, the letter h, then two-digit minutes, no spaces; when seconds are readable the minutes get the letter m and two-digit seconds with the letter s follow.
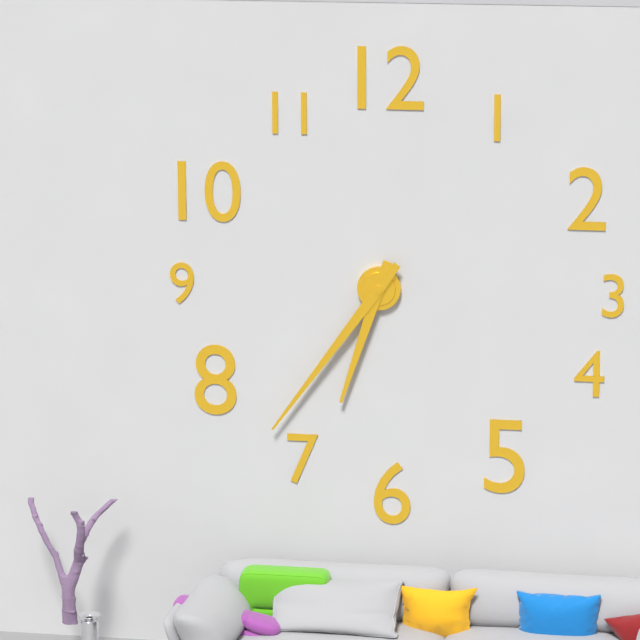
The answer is 6h36
